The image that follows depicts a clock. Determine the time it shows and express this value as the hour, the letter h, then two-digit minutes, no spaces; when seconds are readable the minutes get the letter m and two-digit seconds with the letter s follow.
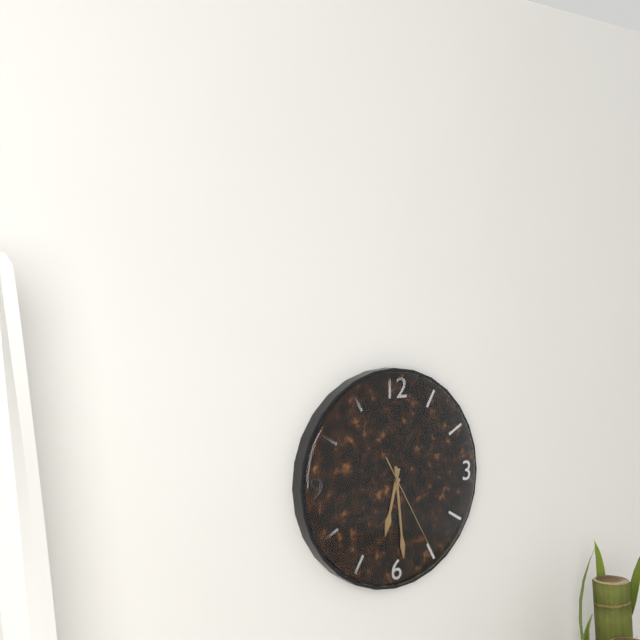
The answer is 6h29m25s
